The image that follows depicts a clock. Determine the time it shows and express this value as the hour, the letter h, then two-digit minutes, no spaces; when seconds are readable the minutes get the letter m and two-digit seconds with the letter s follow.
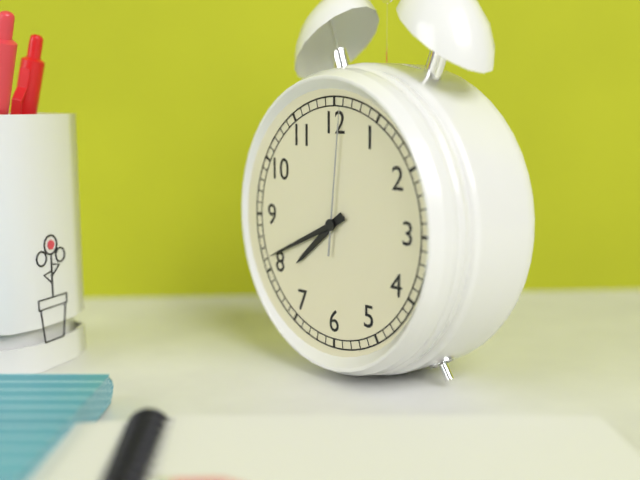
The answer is 7h41m01s
